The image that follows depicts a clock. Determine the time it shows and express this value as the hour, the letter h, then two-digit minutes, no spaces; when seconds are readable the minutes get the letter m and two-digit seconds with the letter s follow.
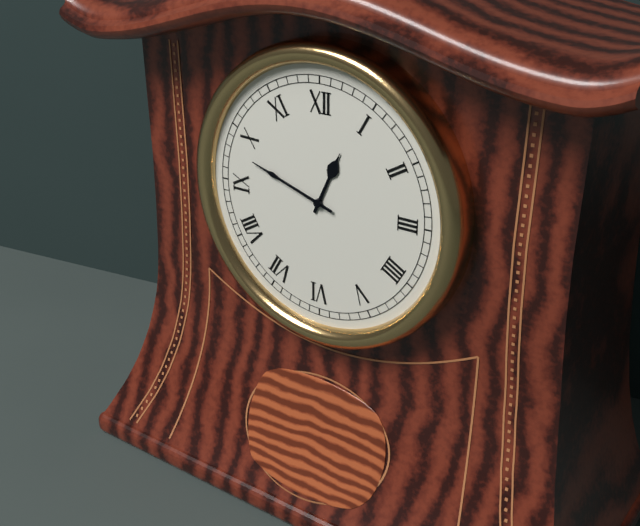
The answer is 12h48
